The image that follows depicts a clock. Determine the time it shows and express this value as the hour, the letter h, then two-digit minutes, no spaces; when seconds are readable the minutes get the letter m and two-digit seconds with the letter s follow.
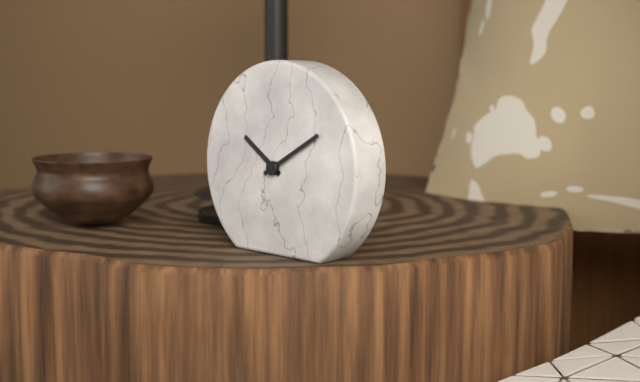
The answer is 10h10
